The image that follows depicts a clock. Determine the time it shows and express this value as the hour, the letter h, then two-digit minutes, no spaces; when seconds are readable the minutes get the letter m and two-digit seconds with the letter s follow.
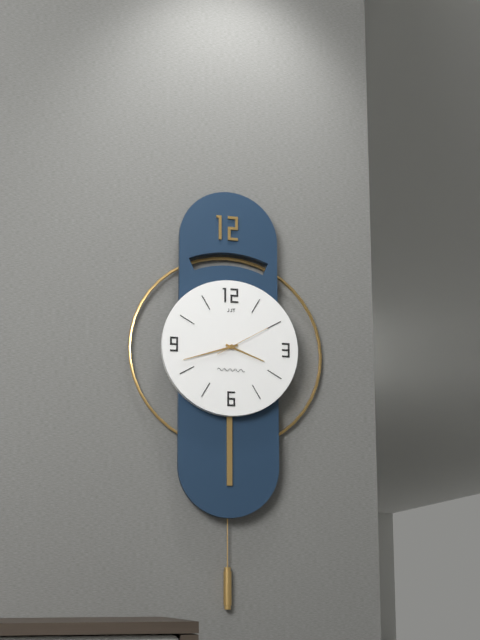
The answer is 3h42m10s
